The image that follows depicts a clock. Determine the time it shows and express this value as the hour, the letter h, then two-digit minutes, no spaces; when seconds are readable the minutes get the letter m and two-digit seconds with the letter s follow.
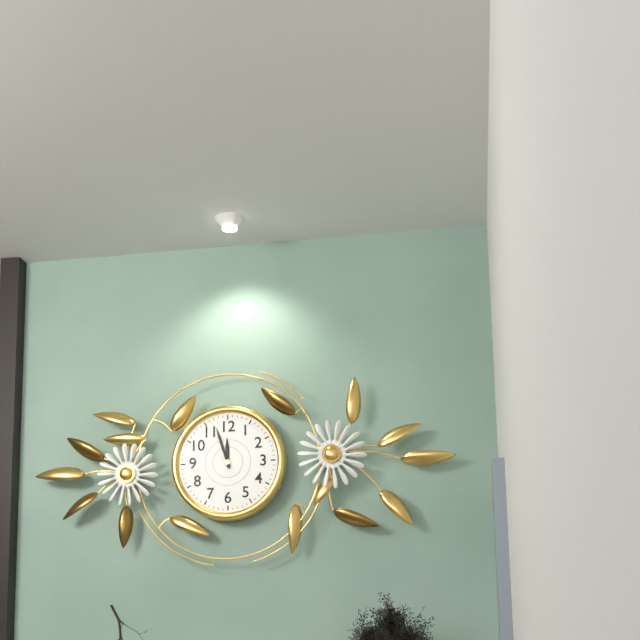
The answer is 11h57
